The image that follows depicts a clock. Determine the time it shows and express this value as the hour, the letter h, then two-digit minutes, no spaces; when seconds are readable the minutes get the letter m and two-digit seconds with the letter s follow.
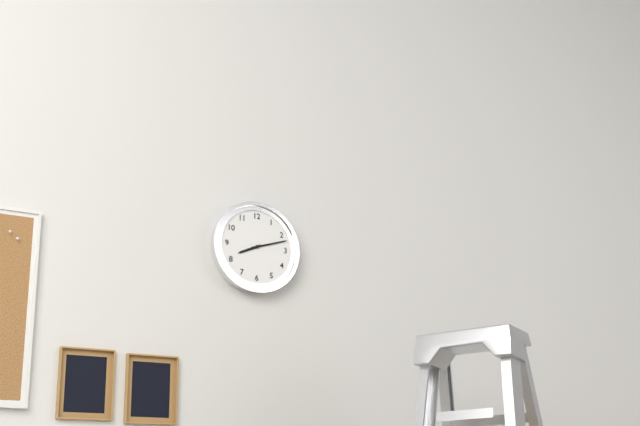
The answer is 8h12
